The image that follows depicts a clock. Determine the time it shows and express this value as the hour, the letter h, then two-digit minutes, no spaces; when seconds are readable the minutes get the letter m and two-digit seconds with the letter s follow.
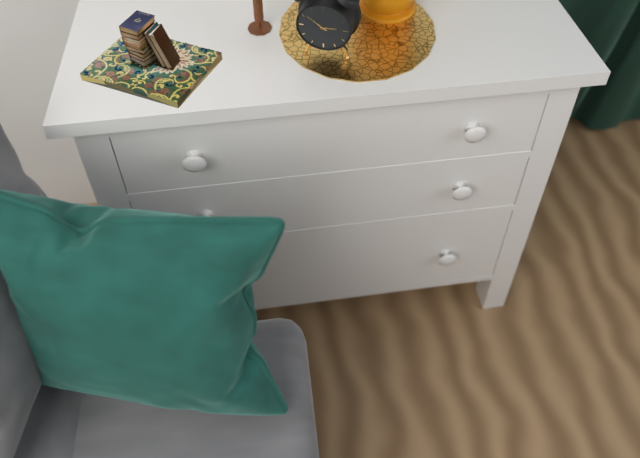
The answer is 2h51
